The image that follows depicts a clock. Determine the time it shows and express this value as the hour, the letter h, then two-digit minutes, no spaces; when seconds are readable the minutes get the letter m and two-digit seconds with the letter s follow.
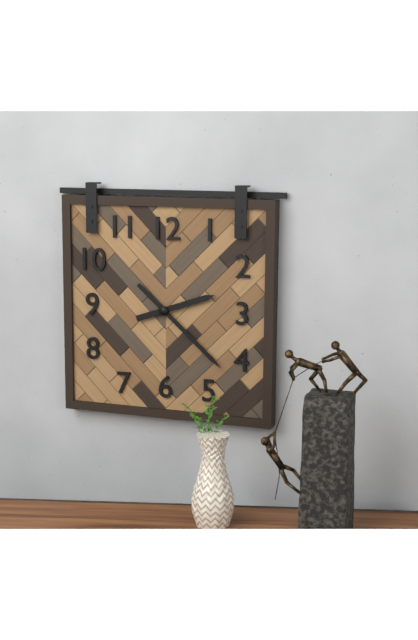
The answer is 2h22
